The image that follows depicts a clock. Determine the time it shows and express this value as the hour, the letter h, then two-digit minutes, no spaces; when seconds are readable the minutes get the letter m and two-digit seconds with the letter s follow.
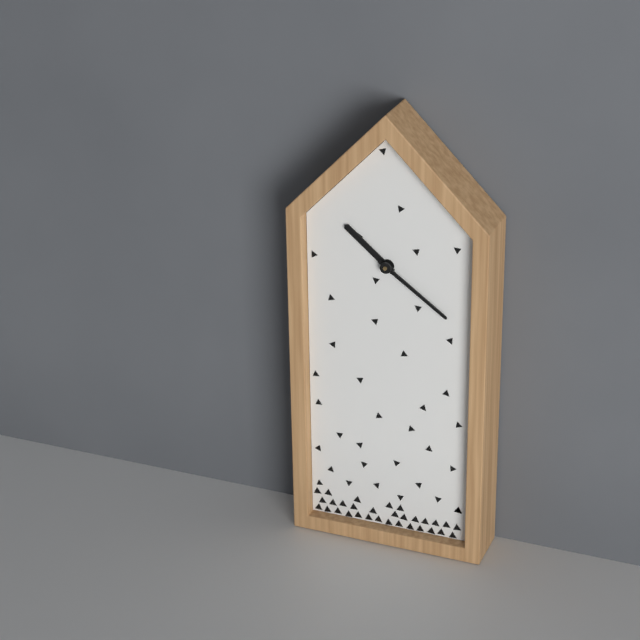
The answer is 10h21
